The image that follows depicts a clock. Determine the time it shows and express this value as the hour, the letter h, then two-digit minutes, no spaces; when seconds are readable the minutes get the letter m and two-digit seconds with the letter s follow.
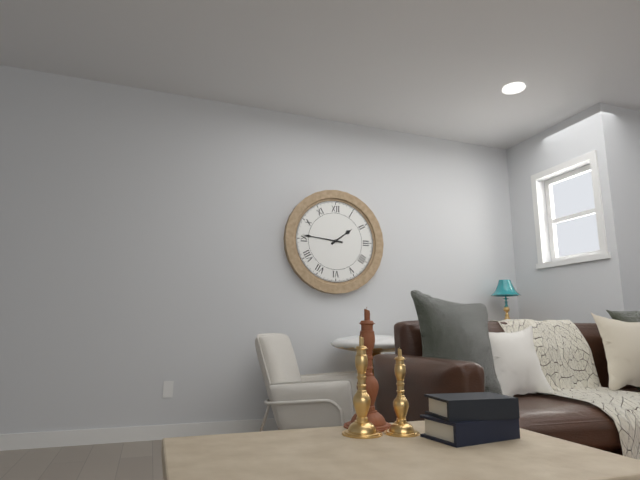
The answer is 1h46
